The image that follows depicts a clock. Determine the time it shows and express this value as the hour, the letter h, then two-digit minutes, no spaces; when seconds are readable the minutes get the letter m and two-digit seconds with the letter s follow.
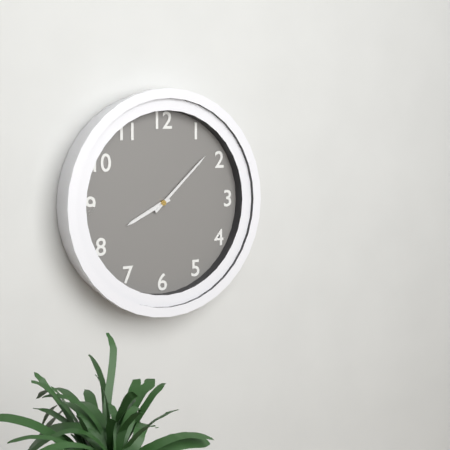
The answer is 8h08
